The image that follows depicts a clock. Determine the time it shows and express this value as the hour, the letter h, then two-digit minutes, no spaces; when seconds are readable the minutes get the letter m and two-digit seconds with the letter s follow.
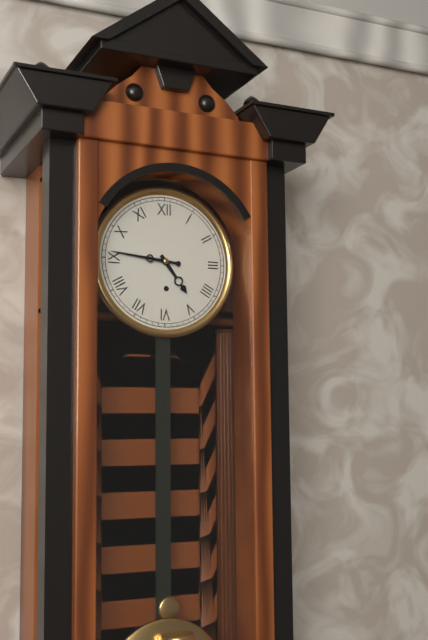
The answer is 4h46
